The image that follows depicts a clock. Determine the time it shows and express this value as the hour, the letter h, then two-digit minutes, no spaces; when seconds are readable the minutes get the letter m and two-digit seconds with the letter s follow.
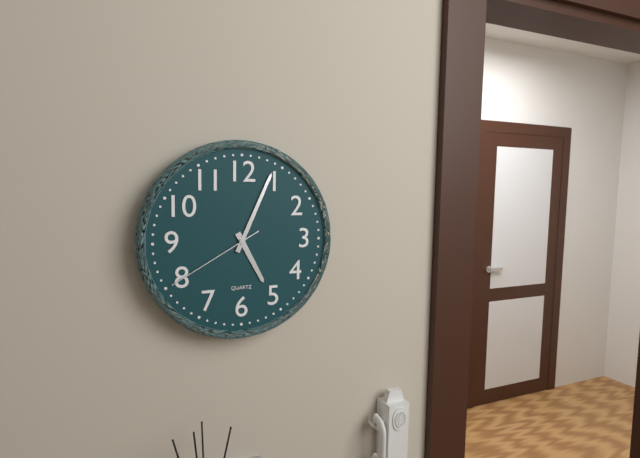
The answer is 5h04m40s
